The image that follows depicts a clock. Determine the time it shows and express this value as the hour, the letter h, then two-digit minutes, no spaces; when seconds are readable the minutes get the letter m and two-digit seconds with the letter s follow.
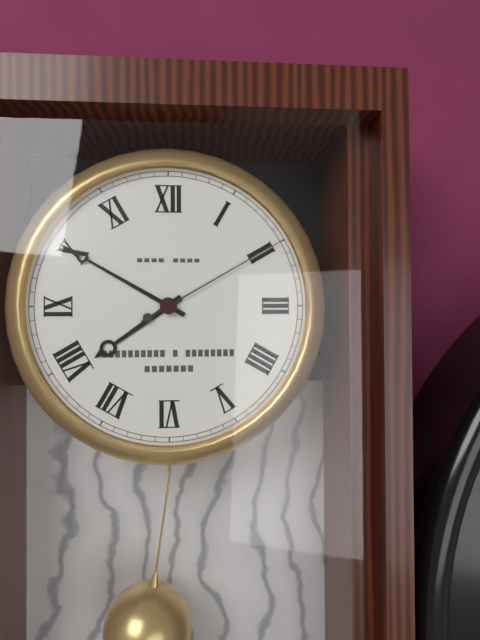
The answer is 7h50m10s
